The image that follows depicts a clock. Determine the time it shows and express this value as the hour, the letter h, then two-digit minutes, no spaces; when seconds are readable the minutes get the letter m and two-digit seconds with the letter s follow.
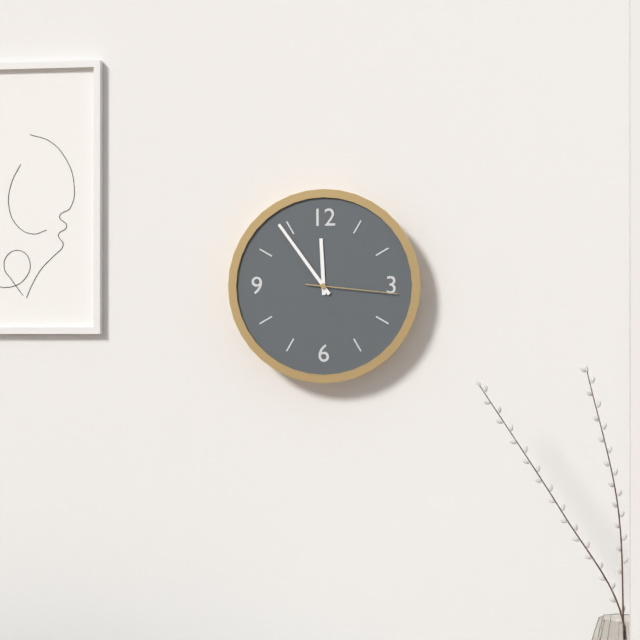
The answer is 11h54m16s
